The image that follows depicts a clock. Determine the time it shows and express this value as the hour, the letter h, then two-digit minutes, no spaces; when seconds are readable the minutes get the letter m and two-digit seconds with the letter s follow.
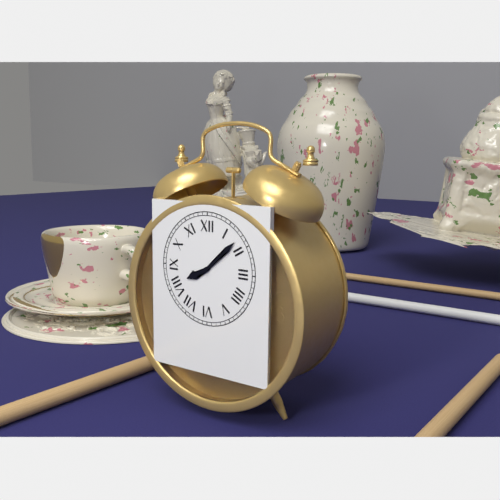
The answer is 8h08
